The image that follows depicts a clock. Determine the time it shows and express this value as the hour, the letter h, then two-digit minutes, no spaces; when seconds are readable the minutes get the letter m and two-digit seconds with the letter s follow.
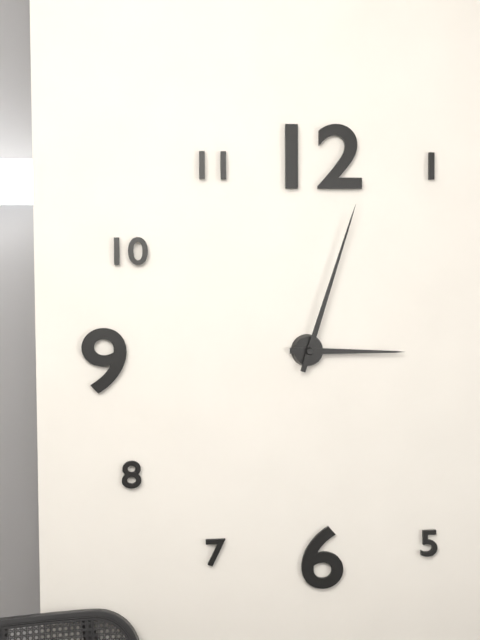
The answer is 3h03
